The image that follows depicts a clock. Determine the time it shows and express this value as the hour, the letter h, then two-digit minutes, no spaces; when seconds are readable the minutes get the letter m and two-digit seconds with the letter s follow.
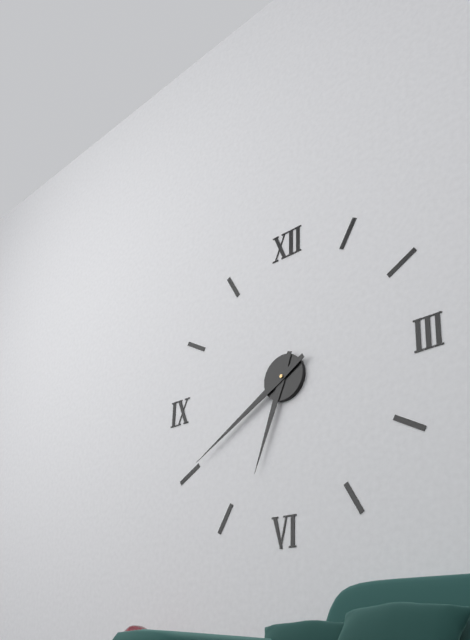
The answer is 6h40
